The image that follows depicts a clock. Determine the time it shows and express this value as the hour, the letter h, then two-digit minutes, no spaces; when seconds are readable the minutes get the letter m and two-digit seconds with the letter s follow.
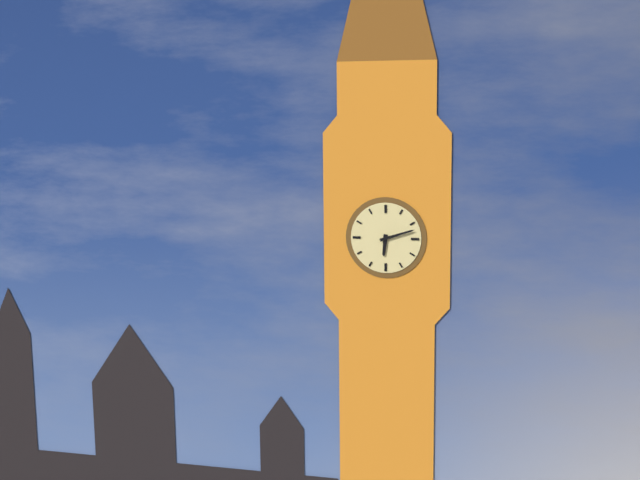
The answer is 6h12
